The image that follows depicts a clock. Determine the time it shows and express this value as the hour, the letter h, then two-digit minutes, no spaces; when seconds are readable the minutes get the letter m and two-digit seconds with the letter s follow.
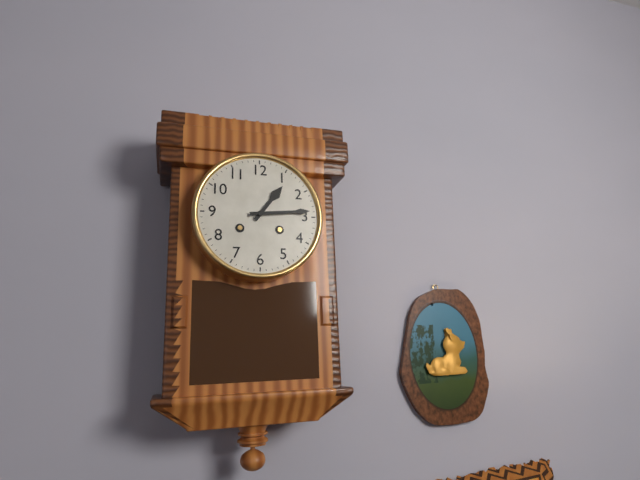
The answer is 1h14
